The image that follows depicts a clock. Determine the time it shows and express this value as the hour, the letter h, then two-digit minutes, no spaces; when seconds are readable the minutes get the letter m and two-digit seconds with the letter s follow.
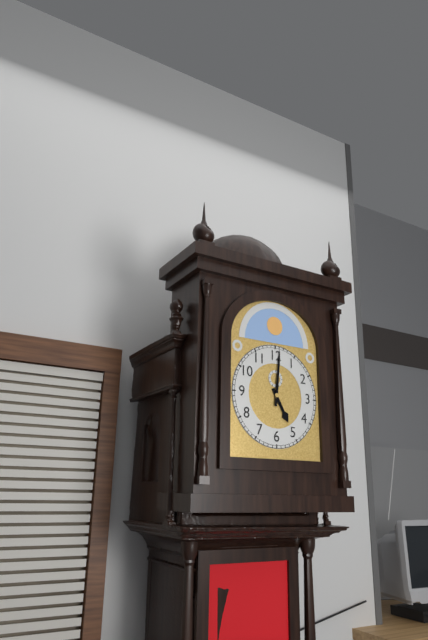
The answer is 5h01
